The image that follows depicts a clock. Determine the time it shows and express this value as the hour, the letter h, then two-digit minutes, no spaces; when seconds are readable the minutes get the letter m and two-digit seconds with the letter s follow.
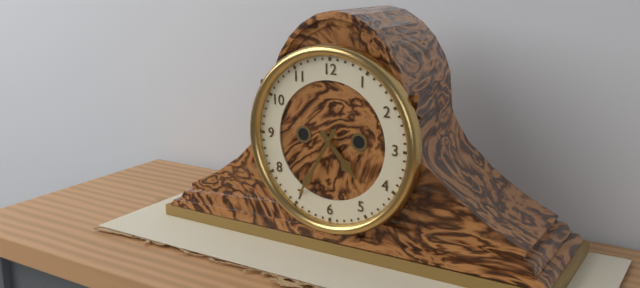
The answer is 4h35
